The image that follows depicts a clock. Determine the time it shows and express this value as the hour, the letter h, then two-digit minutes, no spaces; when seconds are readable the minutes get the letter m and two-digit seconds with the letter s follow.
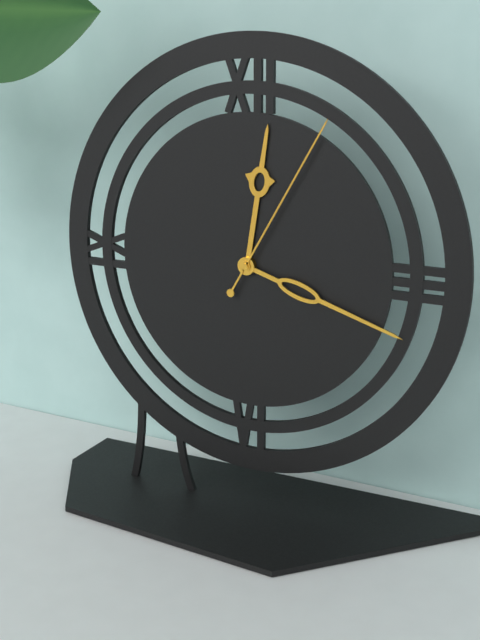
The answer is 12h18m05s
